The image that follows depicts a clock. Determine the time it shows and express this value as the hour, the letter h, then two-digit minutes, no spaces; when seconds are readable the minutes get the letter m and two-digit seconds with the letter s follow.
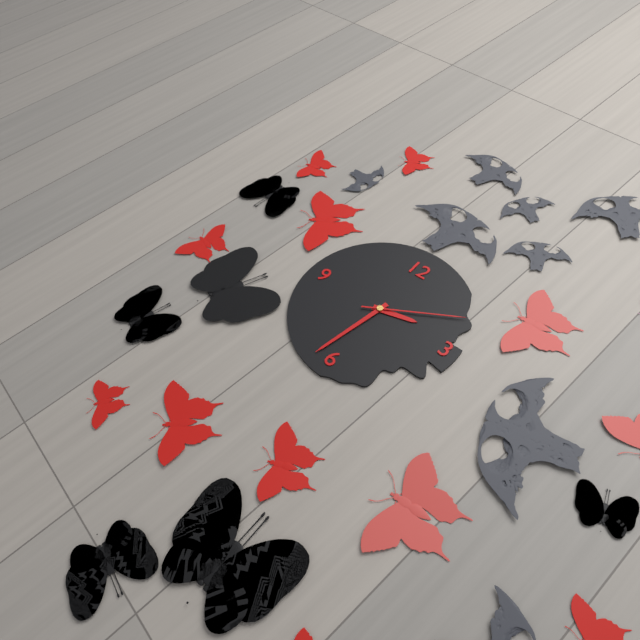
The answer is 2h32m10s
